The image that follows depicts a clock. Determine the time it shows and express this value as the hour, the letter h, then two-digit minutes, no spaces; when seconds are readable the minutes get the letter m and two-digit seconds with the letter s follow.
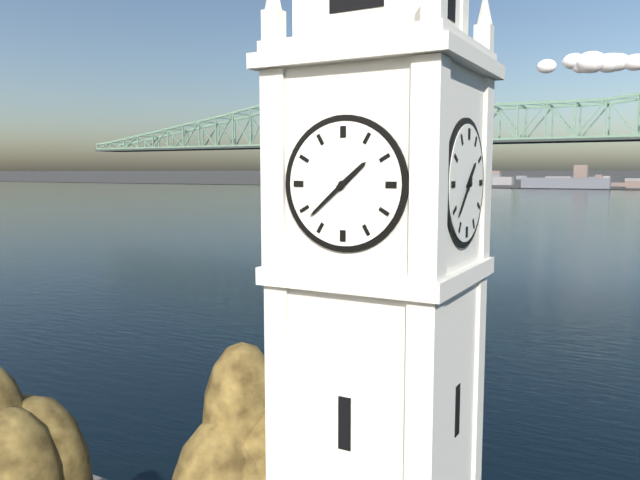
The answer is 1h38
